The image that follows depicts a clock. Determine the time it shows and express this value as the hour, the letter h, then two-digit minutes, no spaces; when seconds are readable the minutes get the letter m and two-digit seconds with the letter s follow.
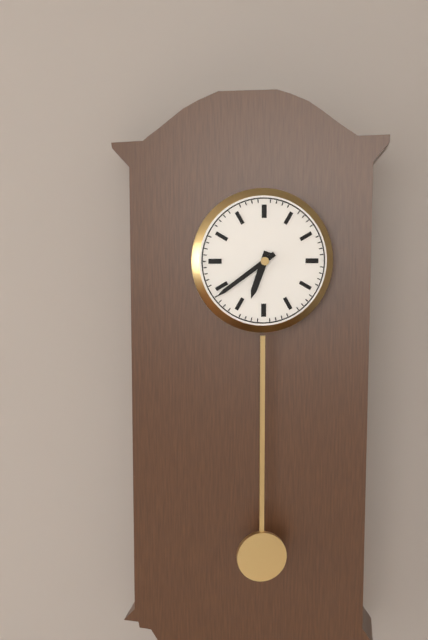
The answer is 6h39
